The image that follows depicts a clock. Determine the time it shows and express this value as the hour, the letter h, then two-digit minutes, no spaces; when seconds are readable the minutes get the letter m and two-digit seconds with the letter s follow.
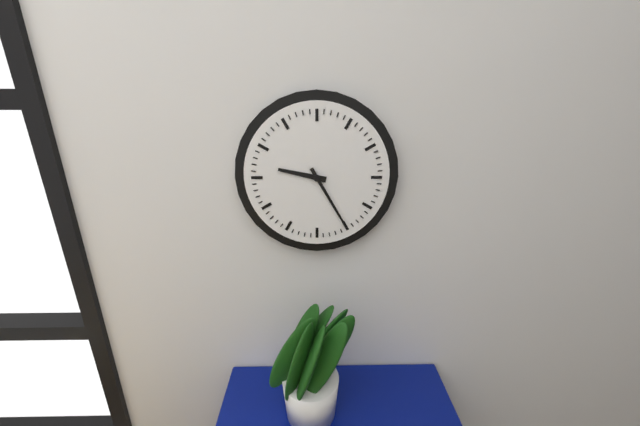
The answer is 9h25
